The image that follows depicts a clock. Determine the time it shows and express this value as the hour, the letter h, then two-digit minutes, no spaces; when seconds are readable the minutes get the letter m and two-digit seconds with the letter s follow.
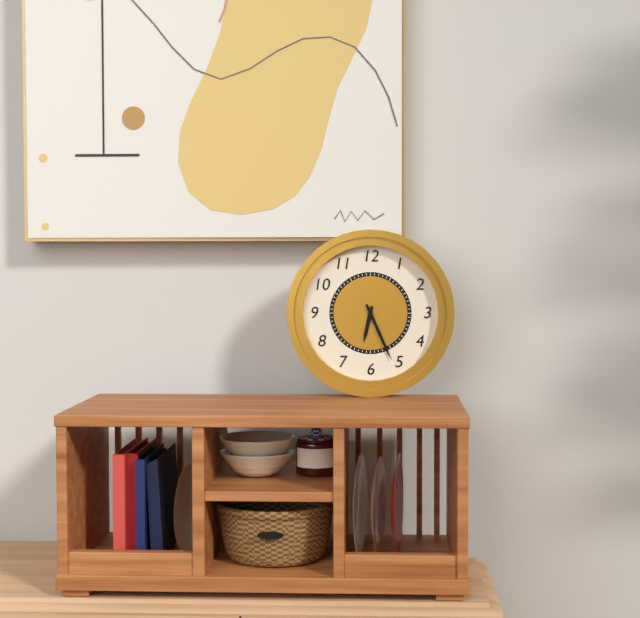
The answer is 6h26
